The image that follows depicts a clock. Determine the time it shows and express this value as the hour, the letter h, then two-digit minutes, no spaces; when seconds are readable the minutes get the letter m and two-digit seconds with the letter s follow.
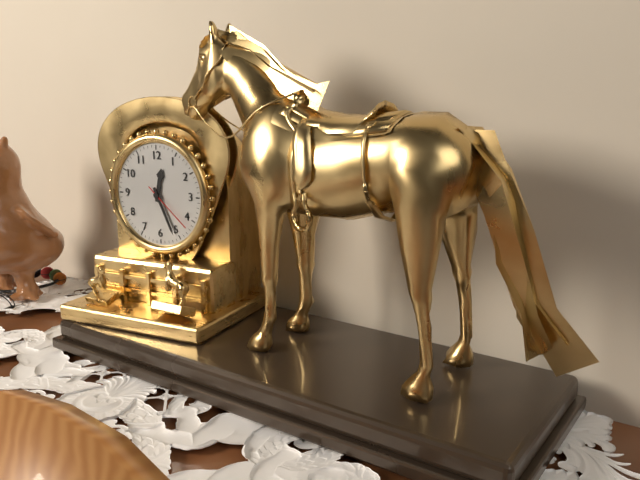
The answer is 12h26m22s
